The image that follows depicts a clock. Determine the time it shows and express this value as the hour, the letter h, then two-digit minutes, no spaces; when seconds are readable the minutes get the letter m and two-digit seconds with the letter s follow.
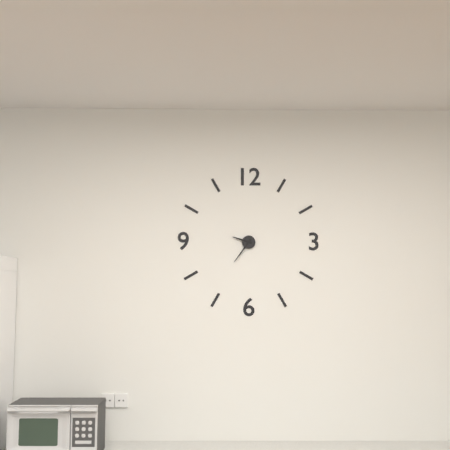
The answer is 9h36
